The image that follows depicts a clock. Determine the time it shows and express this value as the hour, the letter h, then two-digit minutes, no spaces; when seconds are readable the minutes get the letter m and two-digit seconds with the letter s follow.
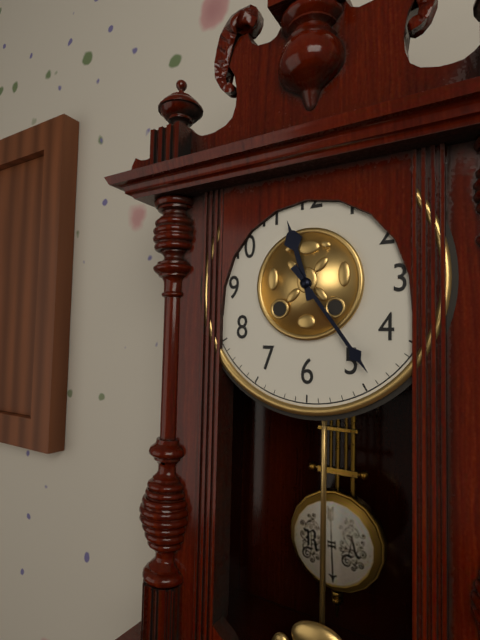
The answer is 11h24
